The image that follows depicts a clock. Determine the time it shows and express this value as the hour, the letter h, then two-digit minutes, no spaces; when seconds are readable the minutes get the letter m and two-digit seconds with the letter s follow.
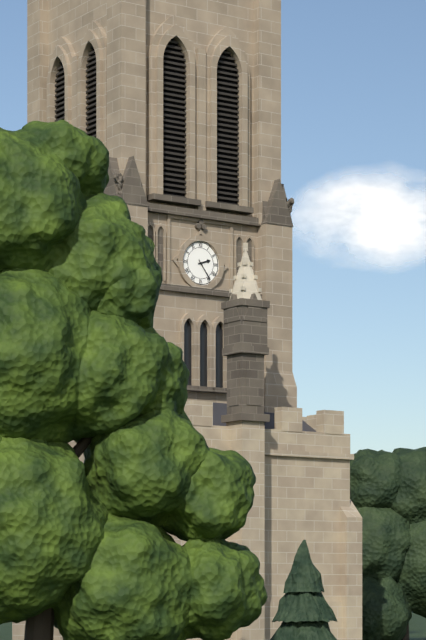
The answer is 2h24
